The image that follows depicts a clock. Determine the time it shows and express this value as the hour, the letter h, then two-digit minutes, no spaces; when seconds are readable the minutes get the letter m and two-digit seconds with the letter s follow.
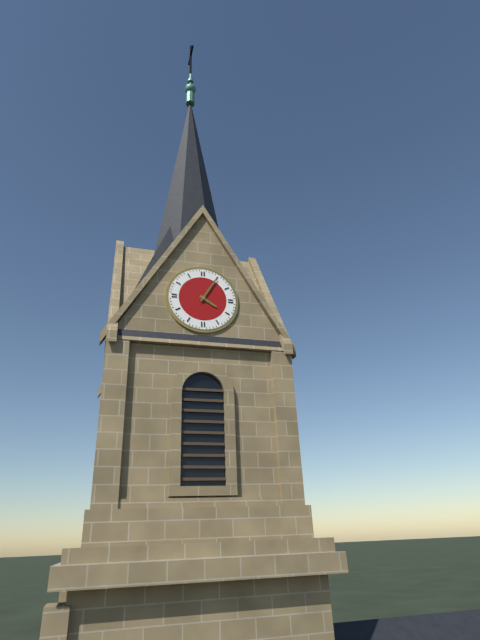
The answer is 4h05
